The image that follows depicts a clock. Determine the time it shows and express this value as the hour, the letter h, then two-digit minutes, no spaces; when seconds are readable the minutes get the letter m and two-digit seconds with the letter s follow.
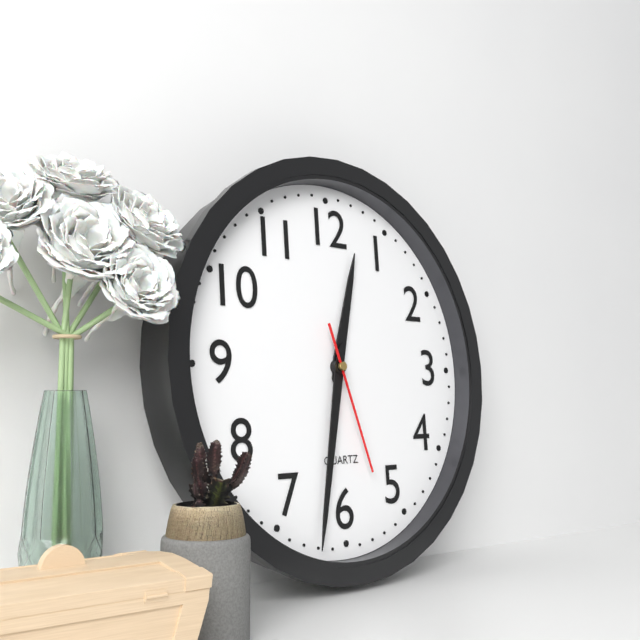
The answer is 12h32m27s
